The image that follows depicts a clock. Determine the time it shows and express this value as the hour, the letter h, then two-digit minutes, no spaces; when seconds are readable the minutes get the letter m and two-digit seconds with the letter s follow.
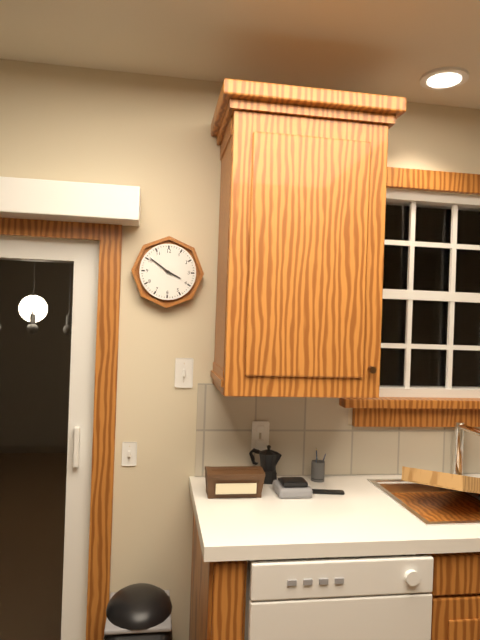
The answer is 3h51
